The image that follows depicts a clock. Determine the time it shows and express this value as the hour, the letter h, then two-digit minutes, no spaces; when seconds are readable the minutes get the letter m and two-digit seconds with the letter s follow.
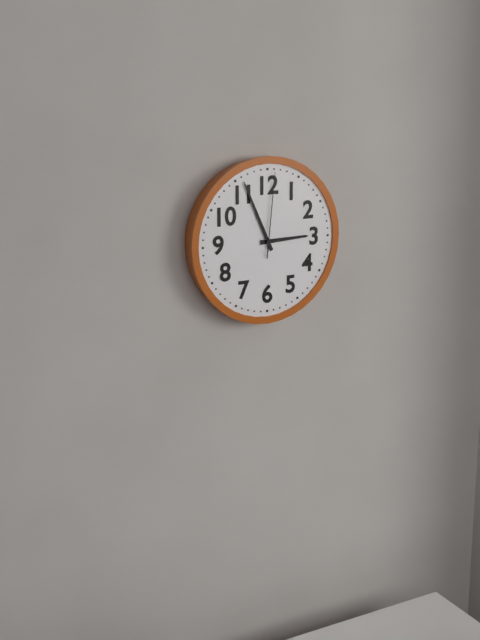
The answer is 2h56m01s
